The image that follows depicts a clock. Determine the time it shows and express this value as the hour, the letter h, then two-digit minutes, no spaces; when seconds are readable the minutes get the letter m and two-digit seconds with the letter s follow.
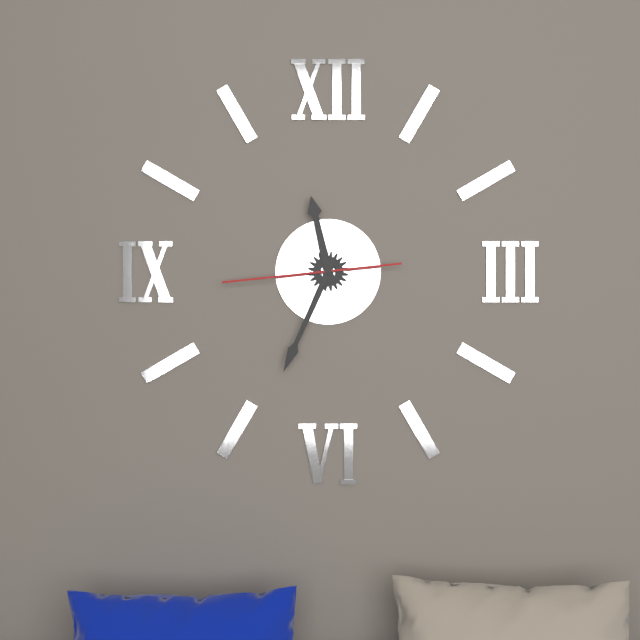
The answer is 11h34m44s
